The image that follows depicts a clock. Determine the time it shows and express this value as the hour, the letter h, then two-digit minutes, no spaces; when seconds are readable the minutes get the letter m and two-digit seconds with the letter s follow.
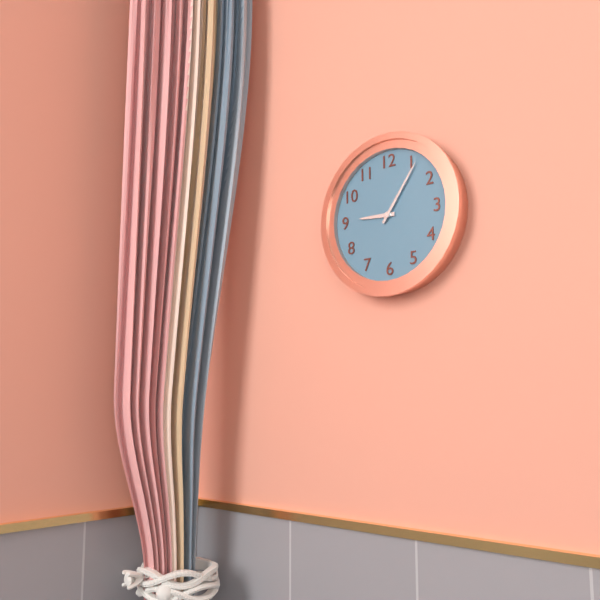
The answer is 9h06
